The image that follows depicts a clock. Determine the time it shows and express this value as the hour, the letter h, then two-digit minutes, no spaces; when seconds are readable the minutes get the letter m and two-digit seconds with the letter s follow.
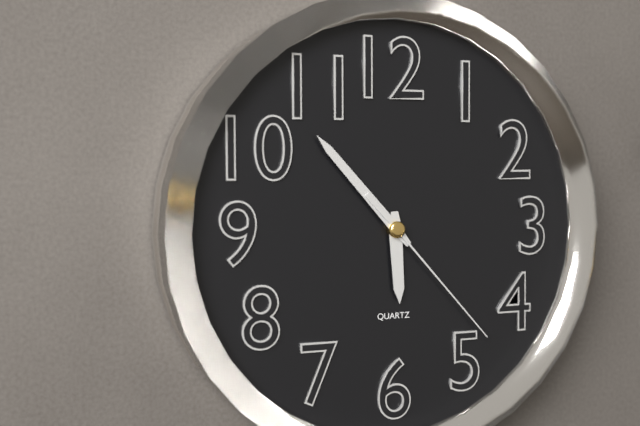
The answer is 5h53m23s
